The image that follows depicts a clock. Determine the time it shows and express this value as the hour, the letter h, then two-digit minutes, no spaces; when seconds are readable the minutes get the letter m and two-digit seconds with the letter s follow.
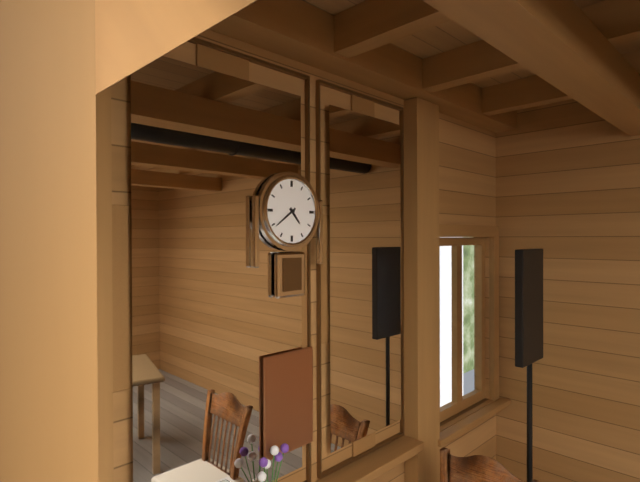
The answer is 4h39
